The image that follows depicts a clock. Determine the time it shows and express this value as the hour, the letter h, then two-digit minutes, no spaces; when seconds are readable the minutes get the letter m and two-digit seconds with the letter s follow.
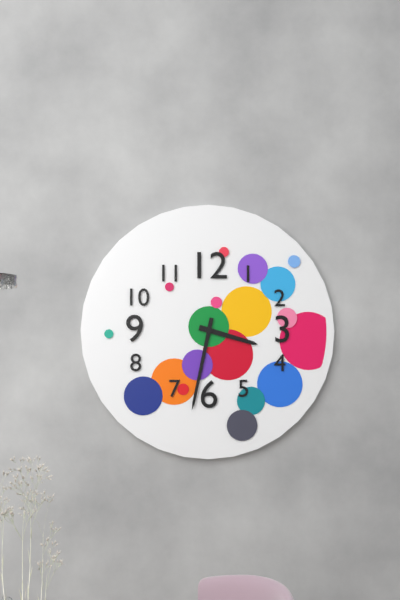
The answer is 3h32
